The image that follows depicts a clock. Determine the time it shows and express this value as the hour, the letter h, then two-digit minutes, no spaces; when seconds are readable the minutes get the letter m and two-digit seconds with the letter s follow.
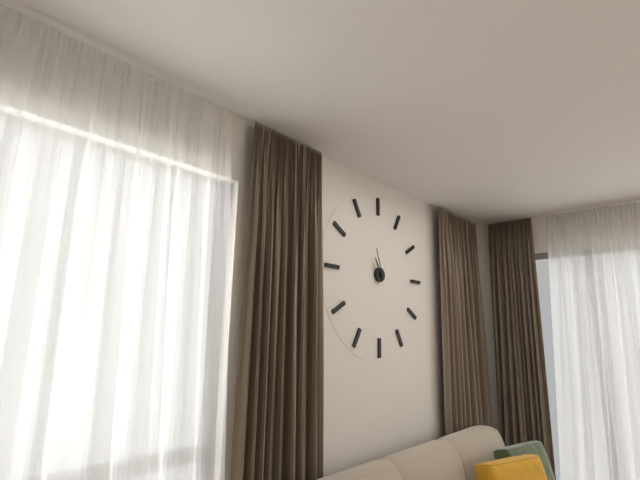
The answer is 10h57
